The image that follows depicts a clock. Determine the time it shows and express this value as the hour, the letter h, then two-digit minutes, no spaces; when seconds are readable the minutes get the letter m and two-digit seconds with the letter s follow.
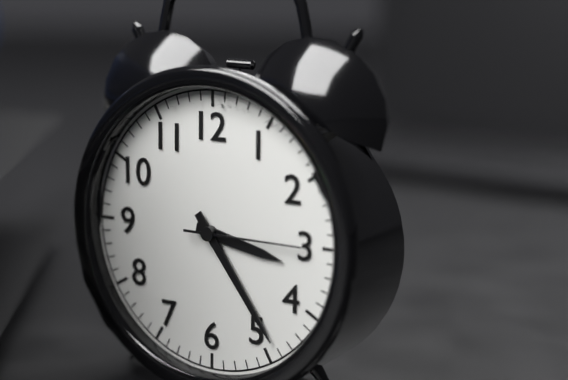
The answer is 3h24m15s
